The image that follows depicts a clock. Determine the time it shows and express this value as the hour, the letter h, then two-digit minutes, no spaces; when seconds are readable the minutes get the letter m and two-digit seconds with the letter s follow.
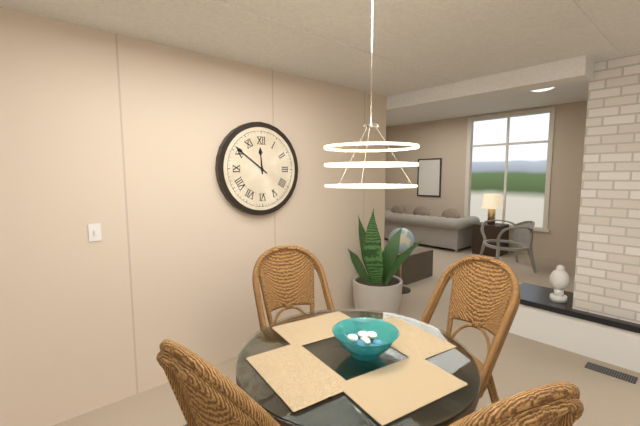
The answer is 11h51
